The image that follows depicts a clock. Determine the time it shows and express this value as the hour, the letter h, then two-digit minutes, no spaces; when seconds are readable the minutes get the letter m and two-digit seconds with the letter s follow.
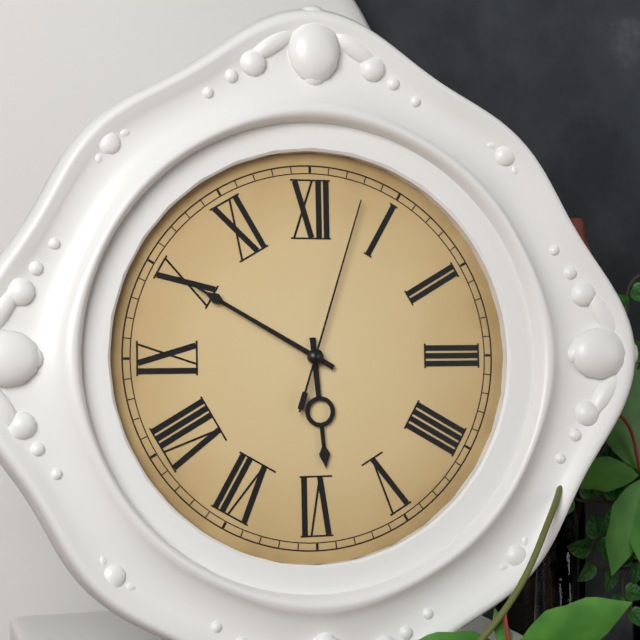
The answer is 5h50m03s
